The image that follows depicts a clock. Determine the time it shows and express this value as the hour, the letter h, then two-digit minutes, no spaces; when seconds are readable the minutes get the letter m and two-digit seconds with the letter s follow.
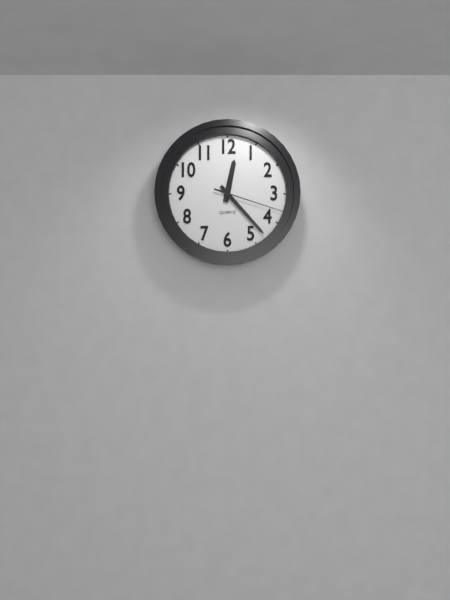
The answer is 12h23m18s
